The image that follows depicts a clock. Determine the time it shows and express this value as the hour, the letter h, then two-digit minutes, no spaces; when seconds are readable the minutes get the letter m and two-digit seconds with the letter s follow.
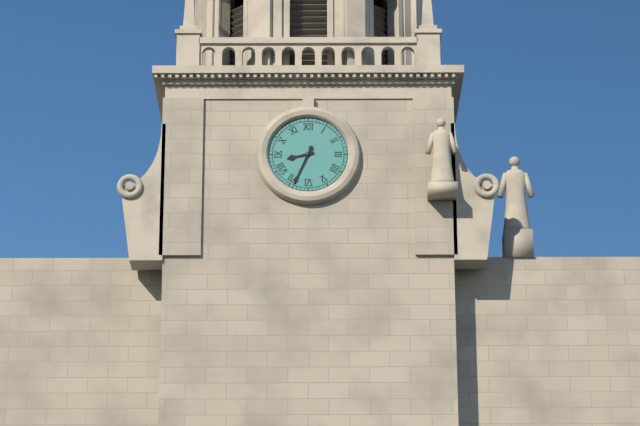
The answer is 8h34
